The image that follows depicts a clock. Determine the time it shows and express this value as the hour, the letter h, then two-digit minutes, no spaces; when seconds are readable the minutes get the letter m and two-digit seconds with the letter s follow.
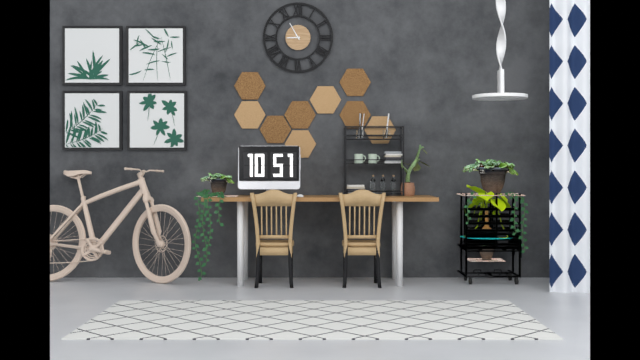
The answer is 8h55
